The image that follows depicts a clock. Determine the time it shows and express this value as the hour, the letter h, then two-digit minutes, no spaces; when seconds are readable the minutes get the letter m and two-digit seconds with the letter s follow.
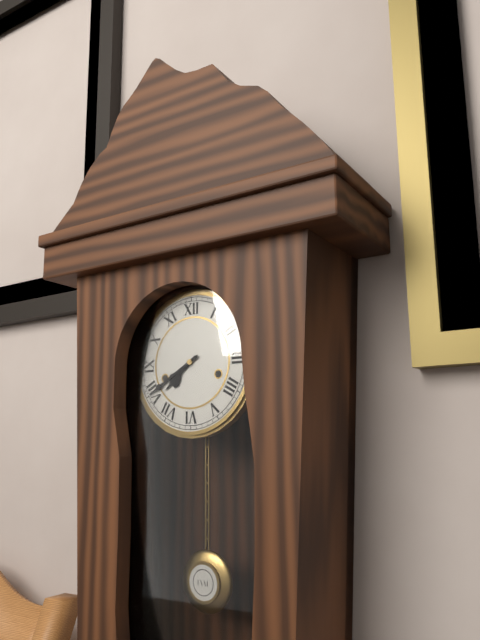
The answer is 7h40
